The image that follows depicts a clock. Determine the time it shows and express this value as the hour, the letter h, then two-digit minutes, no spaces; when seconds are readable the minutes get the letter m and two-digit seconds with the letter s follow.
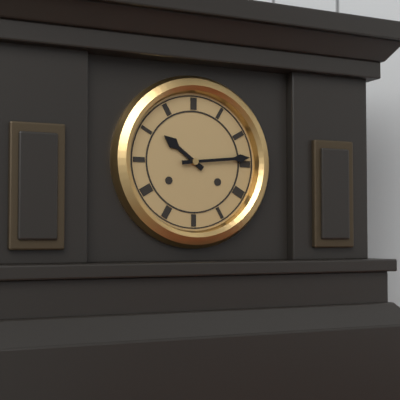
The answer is 10h14
